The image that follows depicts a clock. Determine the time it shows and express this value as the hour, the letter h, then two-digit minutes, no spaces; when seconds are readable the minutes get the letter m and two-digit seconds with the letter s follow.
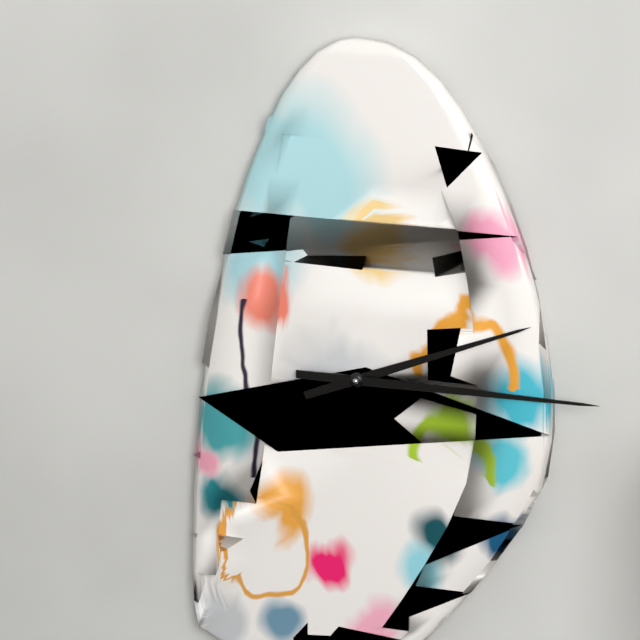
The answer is 2h15
